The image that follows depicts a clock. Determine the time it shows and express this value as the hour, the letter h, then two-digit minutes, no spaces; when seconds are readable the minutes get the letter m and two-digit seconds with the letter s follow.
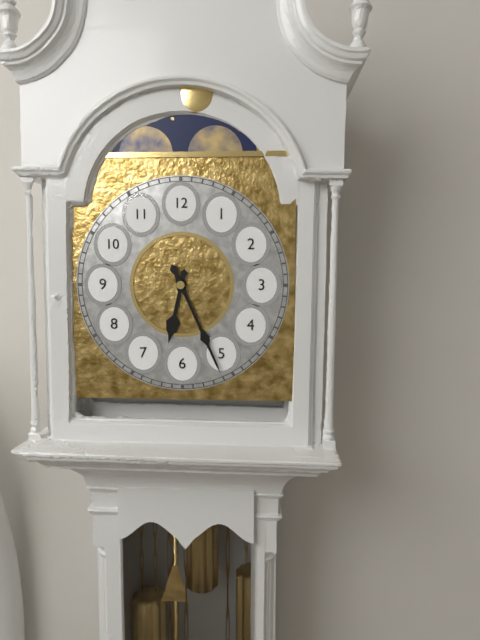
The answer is 6h26
